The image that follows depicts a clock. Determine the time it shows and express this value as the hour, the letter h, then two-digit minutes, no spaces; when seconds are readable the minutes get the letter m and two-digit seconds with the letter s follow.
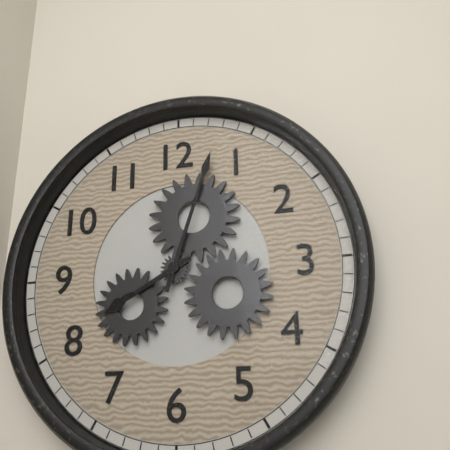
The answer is 8h03
